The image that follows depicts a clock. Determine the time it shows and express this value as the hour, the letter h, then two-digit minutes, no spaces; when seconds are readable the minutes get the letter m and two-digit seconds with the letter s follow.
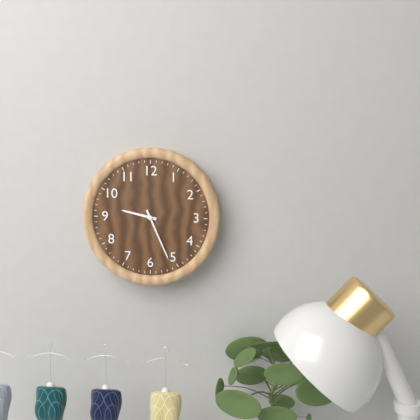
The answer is 9h26
